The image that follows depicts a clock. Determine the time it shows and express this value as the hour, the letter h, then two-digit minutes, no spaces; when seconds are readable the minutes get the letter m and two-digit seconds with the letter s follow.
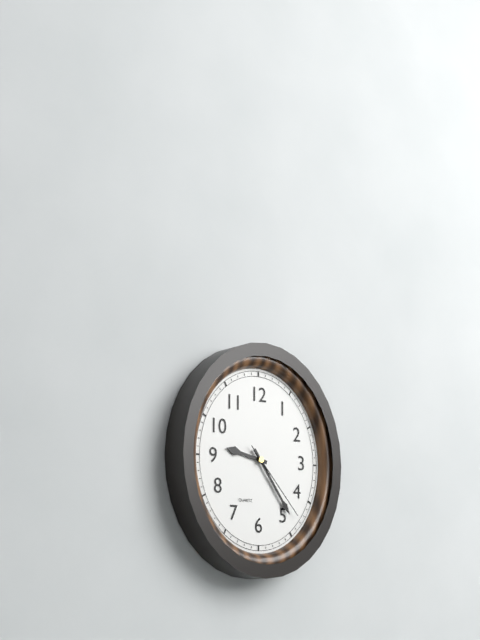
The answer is 9h24m23s
